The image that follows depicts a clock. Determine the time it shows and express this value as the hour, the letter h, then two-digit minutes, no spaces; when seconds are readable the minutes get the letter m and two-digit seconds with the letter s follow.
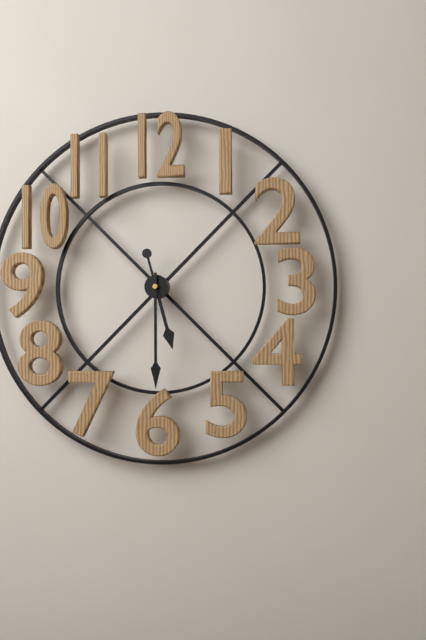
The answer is 5h30
